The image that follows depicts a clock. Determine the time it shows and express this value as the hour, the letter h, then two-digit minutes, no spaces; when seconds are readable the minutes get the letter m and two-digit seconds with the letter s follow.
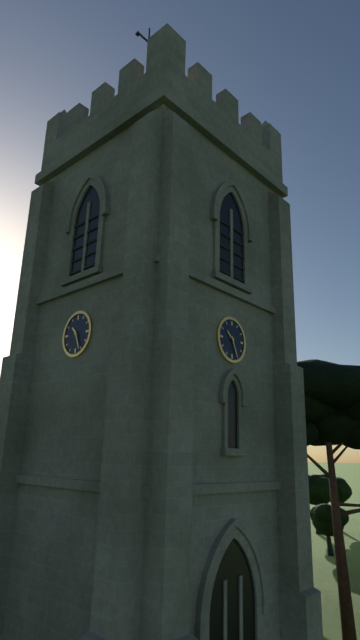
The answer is 10h26
